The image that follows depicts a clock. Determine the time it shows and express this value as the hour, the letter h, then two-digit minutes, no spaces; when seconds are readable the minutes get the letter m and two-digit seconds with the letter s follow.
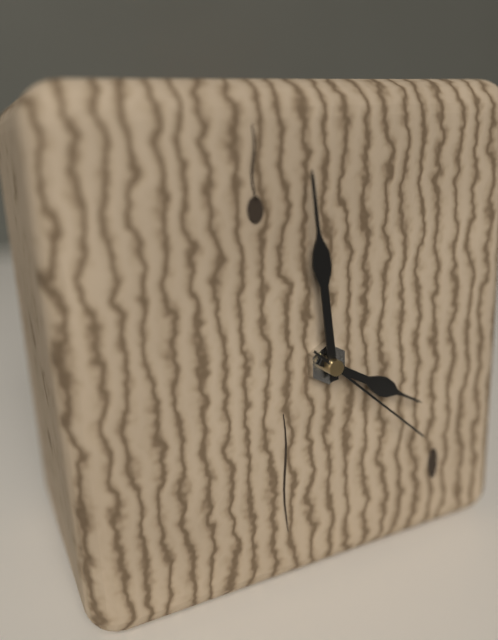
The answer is 3h59m22s
